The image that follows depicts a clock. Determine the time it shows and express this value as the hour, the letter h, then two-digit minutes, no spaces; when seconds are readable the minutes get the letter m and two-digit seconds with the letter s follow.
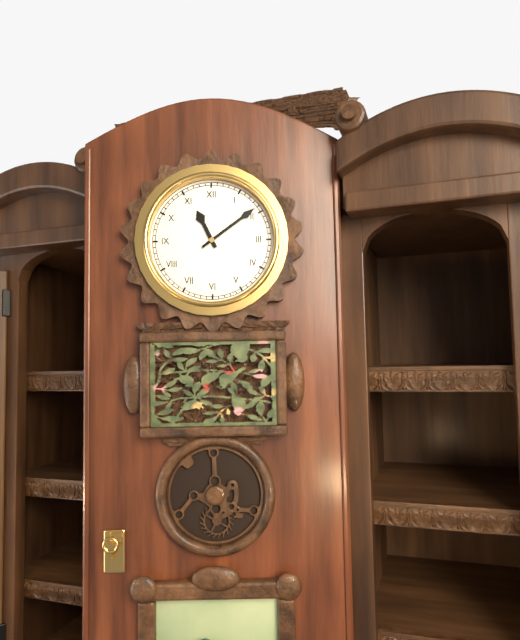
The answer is 11h09
